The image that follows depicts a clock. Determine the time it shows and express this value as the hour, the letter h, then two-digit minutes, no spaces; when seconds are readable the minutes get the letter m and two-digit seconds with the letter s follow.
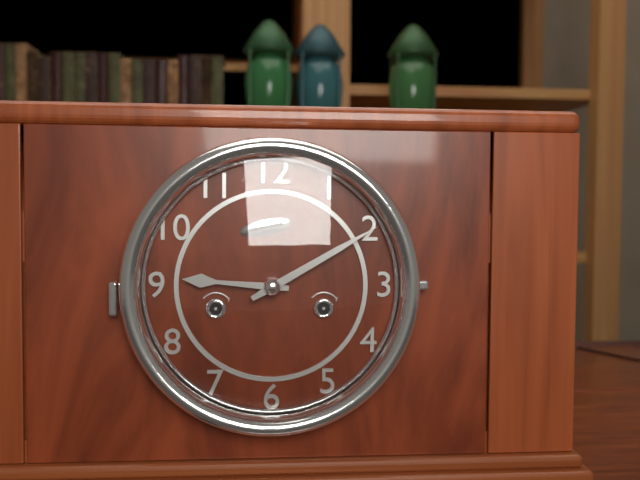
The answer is 9h10
